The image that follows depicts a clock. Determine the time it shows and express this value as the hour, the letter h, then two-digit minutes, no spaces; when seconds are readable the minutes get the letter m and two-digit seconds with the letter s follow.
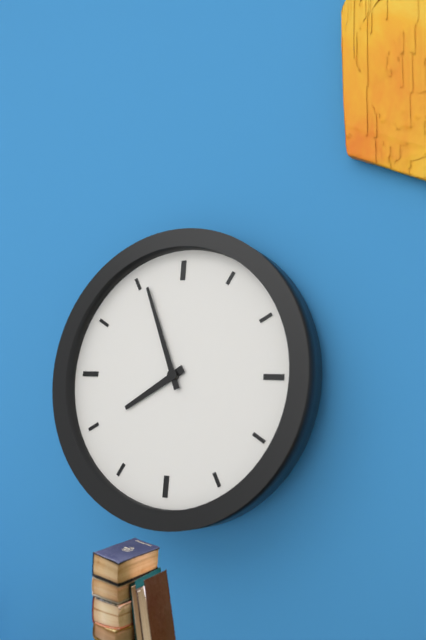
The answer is 7h56
